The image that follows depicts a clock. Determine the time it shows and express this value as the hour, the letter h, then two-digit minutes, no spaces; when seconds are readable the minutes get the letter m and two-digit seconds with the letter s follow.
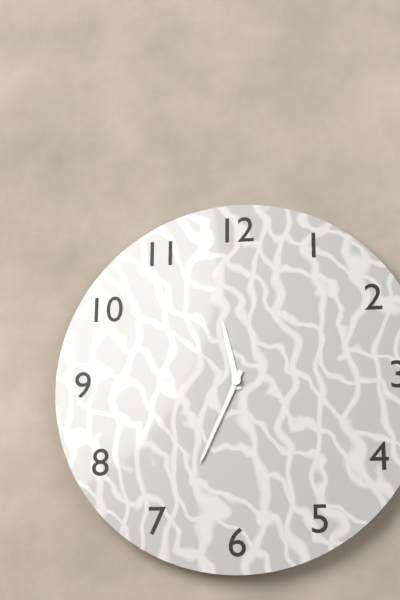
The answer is 11h34
